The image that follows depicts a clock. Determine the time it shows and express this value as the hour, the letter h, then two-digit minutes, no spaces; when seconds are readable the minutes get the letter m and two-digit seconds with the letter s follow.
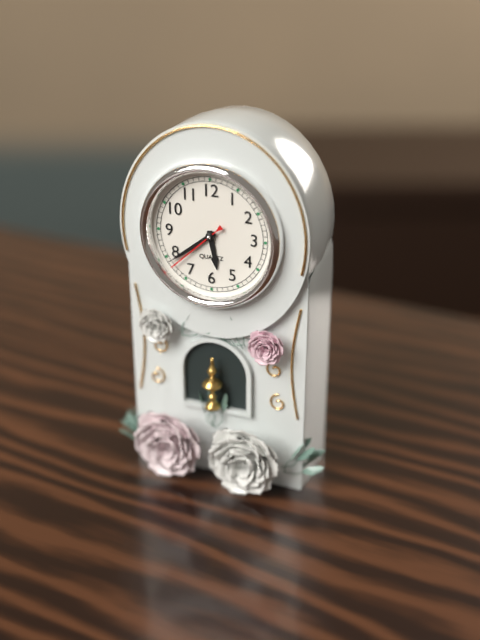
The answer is 5h39m38s
